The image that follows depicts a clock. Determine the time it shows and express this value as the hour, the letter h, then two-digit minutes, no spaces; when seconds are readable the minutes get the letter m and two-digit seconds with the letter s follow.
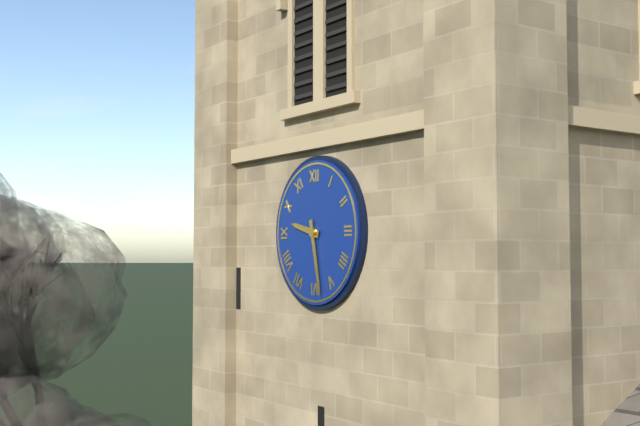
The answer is 9h28
